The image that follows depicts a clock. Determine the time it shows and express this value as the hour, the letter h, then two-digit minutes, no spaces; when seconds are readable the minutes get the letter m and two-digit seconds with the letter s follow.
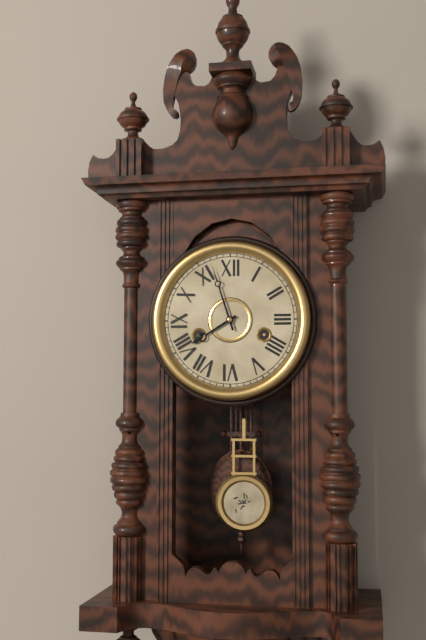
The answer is 7h57
